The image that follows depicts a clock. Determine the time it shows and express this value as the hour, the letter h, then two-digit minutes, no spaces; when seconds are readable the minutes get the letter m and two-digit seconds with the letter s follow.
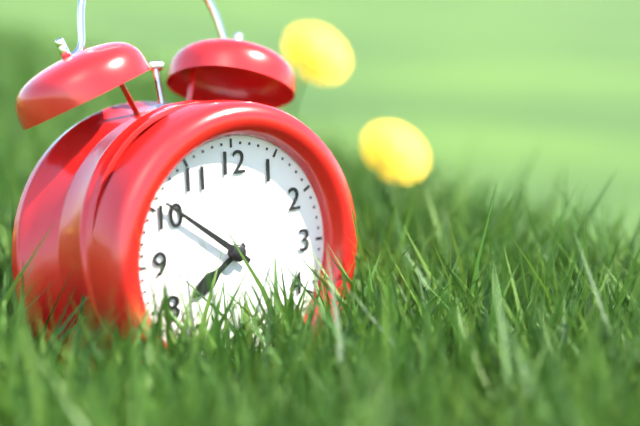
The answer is 7h51
